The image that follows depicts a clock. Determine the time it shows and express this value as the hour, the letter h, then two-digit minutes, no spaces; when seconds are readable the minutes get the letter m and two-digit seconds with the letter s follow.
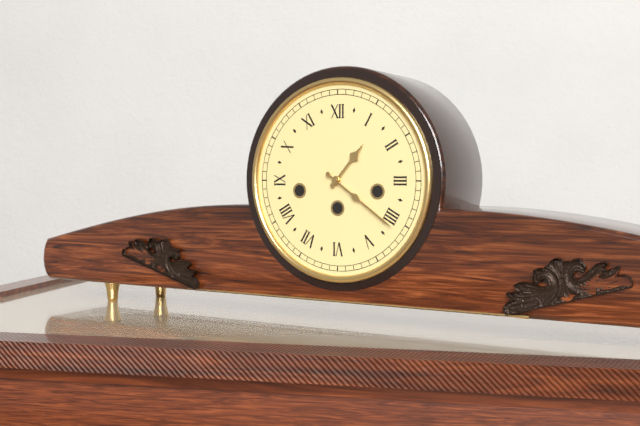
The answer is 1h21
